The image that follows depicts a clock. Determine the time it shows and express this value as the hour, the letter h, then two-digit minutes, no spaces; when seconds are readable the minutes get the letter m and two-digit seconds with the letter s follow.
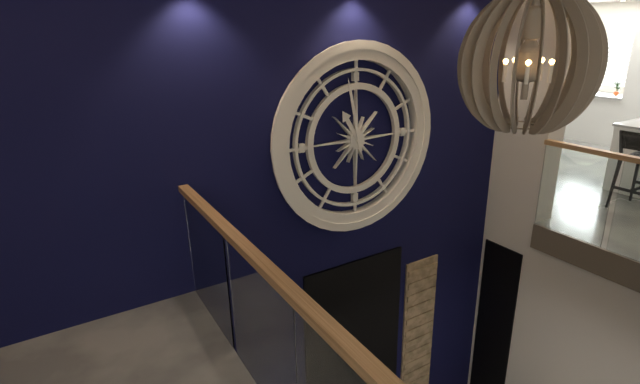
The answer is 10h58
